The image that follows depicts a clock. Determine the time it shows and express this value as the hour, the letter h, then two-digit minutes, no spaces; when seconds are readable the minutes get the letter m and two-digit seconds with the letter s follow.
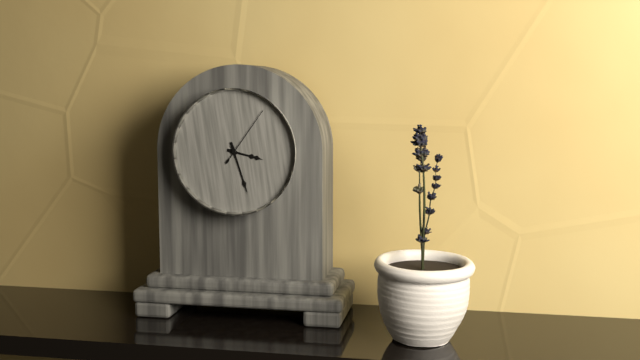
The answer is 3h27m06s
